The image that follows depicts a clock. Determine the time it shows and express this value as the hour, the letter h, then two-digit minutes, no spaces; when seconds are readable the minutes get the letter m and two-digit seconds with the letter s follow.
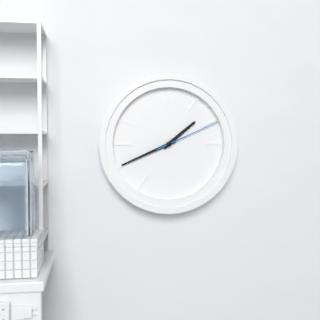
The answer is 1h41m11s
